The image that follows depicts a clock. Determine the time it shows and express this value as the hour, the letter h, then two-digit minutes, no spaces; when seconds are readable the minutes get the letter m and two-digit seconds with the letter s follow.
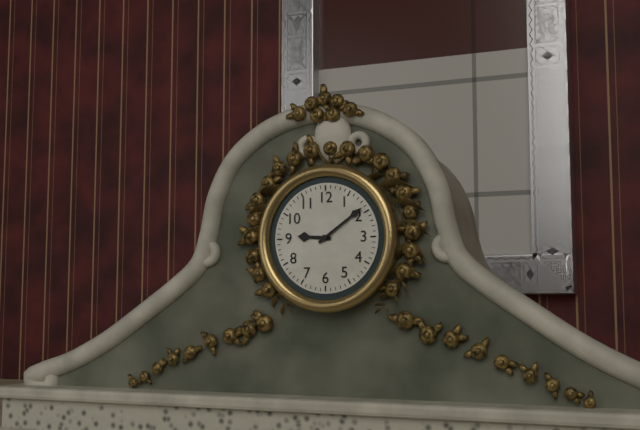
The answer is 9h09
